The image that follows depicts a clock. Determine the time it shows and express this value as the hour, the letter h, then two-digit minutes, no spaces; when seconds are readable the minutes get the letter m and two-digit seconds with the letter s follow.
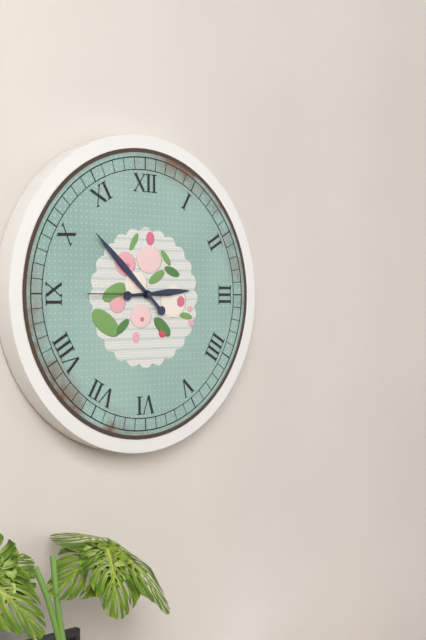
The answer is 2h52m45s
